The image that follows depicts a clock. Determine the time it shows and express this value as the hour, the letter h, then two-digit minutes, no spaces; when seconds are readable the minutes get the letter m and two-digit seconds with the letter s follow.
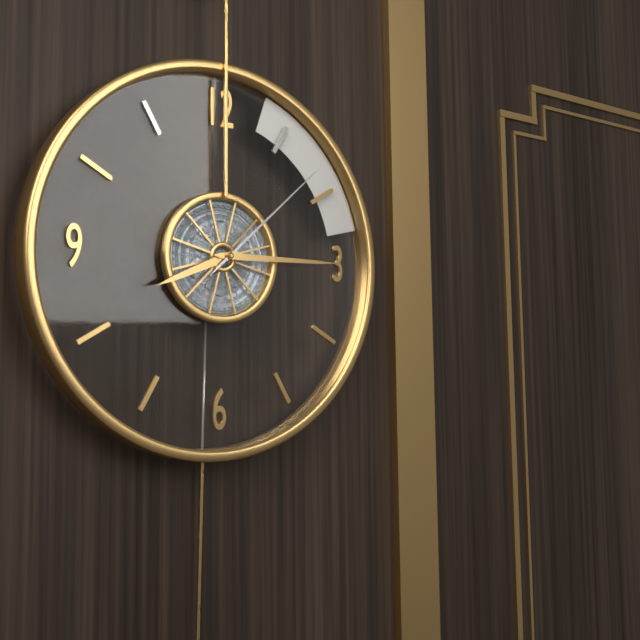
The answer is 8h15m08s
